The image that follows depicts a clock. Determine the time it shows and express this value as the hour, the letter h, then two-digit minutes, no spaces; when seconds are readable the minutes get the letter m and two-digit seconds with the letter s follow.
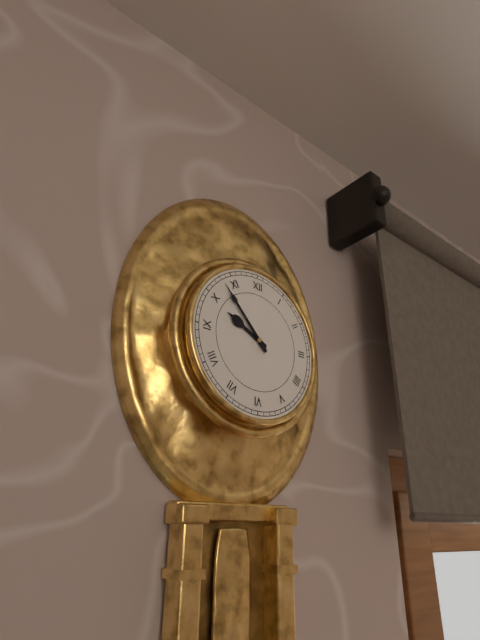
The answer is 9h53
